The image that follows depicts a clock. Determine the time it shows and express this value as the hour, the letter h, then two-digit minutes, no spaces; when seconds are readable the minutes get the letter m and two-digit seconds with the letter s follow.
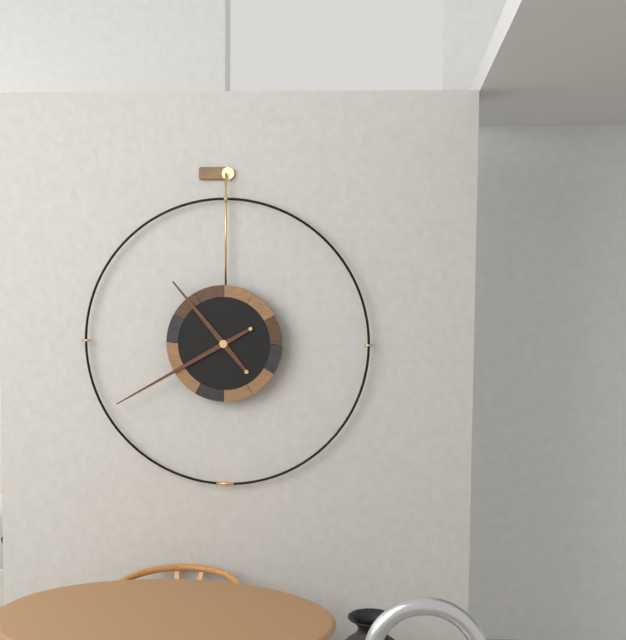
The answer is 10h40
